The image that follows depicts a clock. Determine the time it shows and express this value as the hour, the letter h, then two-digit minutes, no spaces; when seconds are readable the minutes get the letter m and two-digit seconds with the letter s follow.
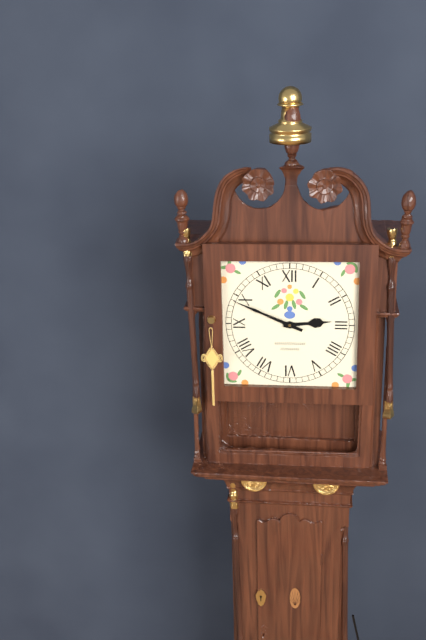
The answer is 2h49
